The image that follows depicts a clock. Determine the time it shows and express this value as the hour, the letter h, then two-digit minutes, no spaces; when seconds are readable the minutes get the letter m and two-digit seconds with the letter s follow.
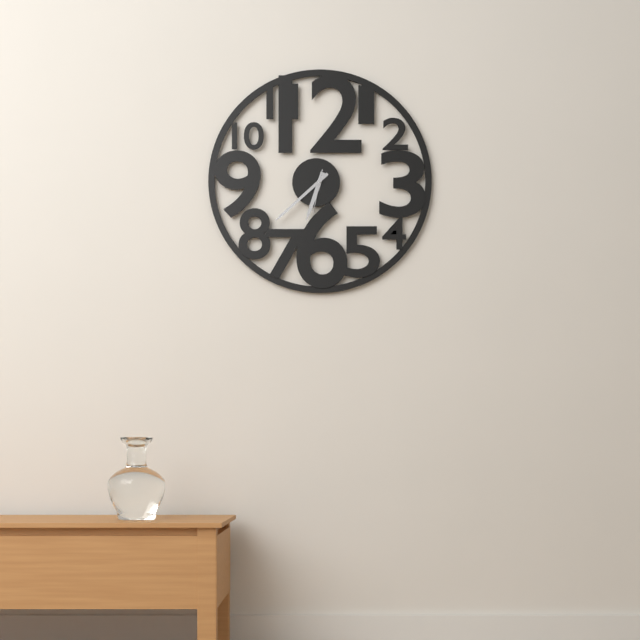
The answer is 6h38
